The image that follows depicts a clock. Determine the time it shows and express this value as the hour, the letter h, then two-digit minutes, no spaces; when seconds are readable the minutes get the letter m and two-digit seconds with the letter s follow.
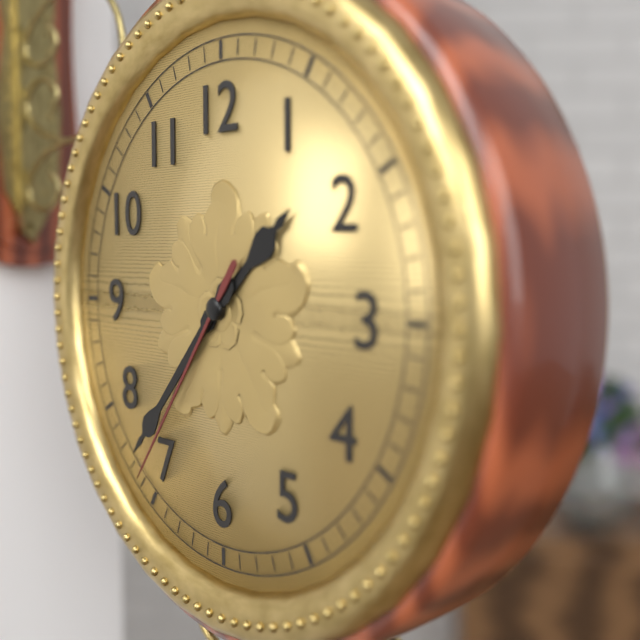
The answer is 1h37m36s
